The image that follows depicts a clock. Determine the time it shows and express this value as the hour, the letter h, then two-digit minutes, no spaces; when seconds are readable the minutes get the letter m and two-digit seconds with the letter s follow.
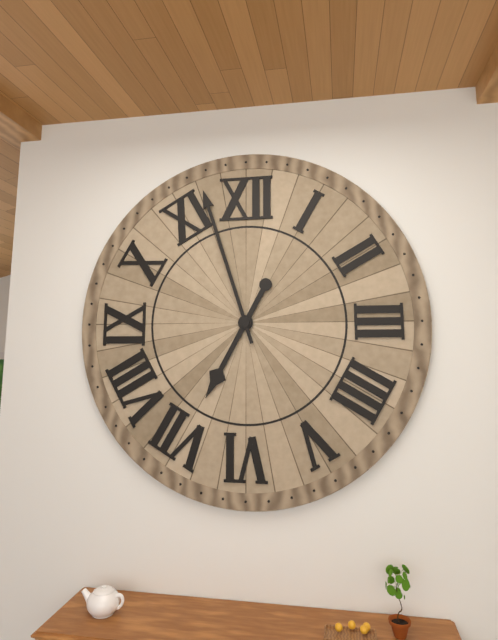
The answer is 6h57
